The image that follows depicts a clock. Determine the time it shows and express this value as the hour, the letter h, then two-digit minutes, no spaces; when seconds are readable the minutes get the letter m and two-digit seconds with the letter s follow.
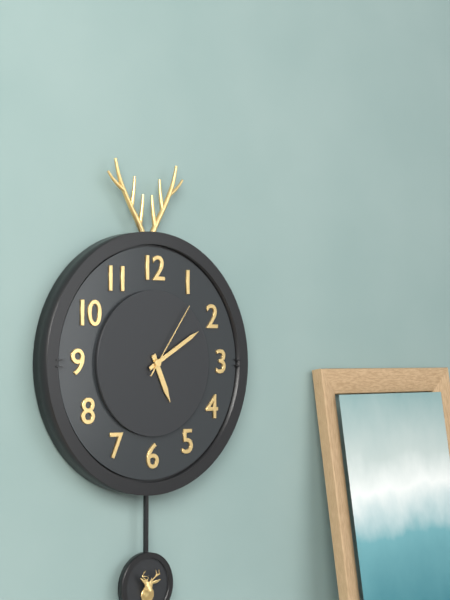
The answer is 5h10m06s
